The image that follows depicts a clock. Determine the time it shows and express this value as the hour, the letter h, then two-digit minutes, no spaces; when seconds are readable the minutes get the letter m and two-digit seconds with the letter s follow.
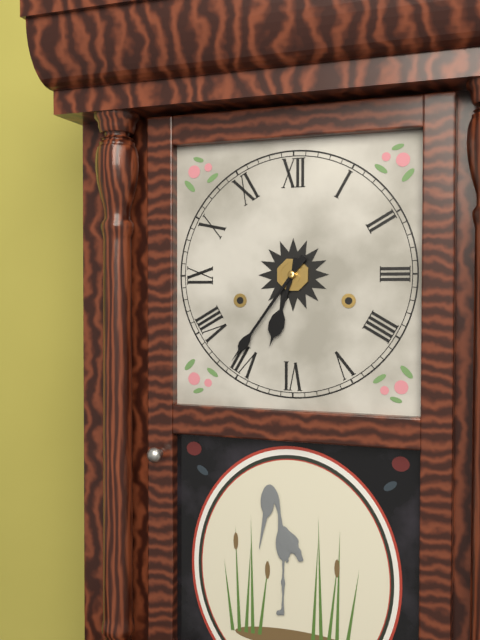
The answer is 6h36
